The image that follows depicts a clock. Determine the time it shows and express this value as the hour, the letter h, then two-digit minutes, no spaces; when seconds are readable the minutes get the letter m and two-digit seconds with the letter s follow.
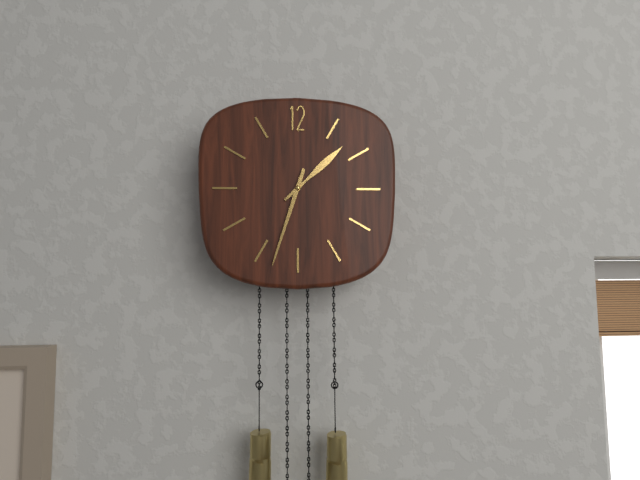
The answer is 1h33
